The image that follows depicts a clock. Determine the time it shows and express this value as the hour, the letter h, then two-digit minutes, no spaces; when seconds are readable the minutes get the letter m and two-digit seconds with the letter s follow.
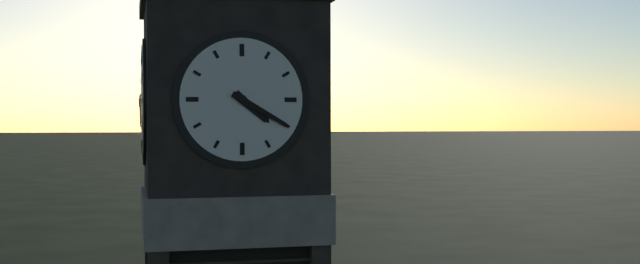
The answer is 4h20
